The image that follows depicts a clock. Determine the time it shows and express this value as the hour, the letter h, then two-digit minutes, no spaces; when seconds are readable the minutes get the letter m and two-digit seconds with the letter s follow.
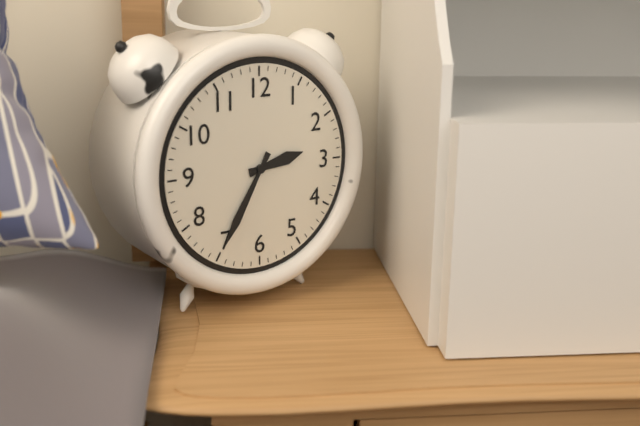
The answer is 2h35
